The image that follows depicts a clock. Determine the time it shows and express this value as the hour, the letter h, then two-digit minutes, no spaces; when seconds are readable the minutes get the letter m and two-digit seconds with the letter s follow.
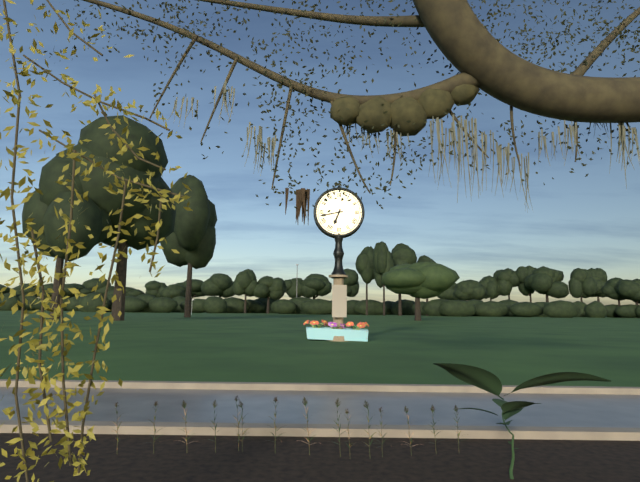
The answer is 6h43
